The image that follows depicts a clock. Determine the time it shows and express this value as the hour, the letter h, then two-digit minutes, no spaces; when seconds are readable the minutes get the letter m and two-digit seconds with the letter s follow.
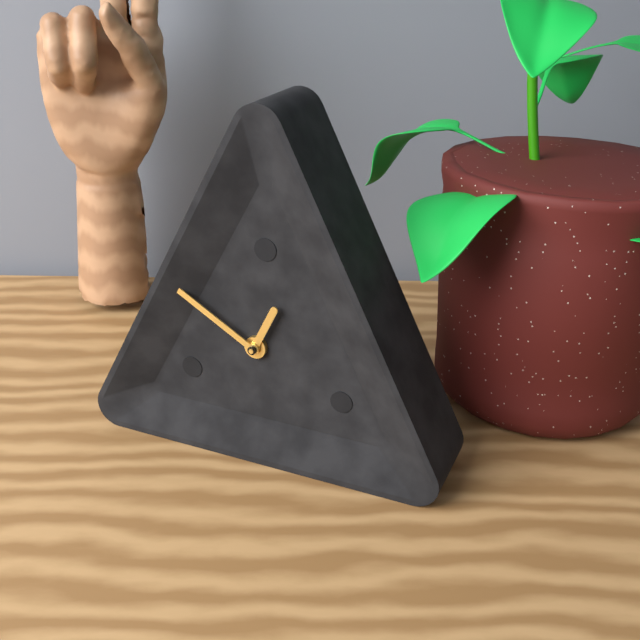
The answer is 12h50
